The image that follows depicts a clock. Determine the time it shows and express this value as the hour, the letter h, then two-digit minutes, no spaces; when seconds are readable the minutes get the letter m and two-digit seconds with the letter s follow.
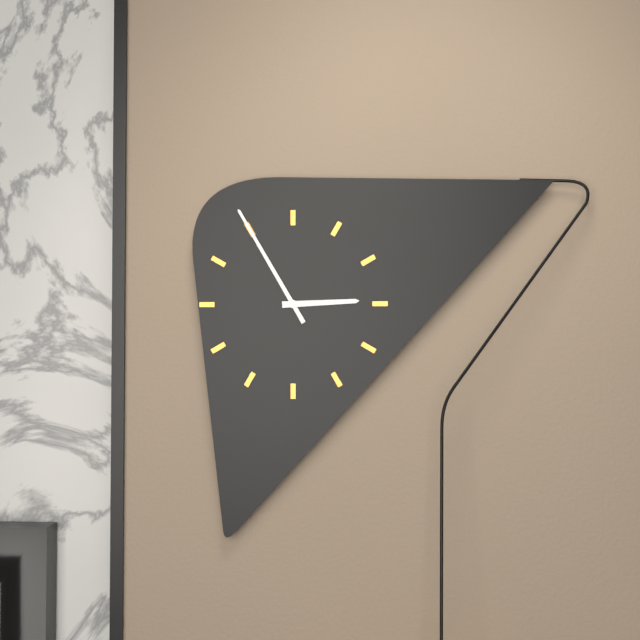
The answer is 2h55
